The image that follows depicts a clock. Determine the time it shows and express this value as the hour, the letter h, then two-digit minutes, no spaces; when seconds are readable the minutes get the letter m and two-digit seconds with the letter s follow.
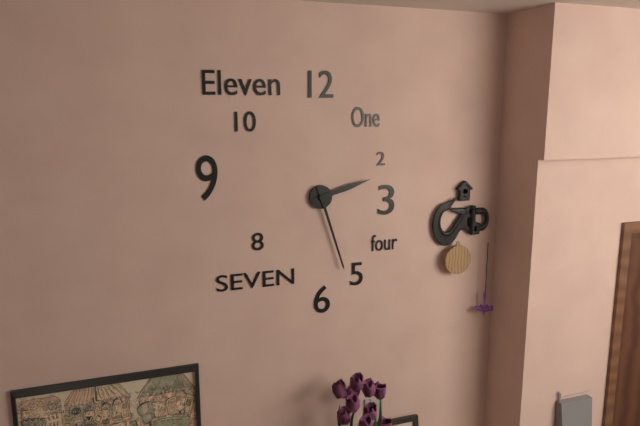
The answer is 2h27
